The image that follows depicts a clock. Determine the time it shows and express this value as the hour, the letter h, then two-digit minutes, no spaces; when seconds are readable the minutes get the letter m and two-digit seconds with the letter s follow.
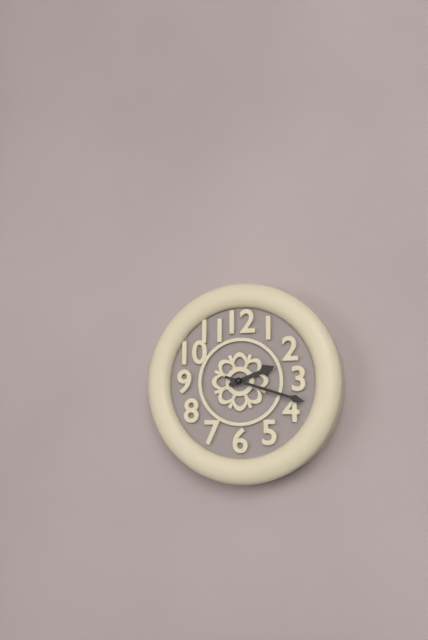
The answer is 2h18
